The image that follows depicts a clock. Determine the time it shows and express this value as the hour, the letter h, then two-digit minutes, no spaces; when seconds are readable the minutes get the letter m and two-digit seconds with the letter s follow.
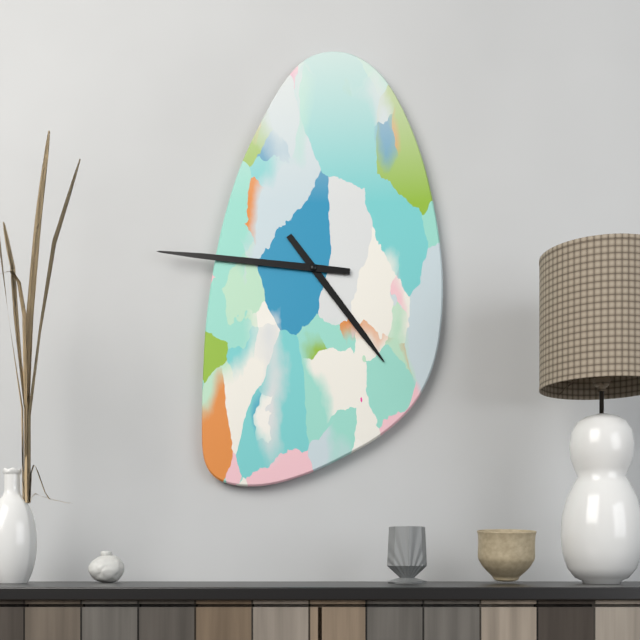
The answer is 4h46
